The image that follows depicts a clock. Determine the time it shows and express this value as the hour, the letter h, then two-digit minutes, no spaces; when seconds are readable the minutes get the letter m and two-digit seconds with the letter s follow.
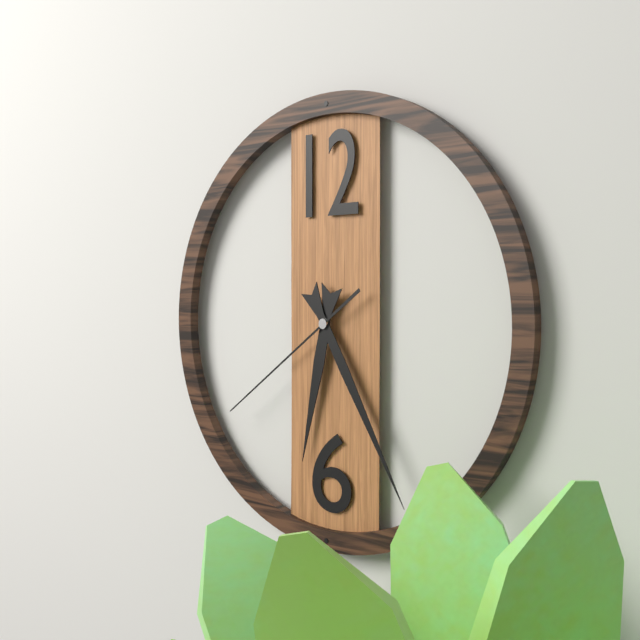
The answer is 6h25m39s
